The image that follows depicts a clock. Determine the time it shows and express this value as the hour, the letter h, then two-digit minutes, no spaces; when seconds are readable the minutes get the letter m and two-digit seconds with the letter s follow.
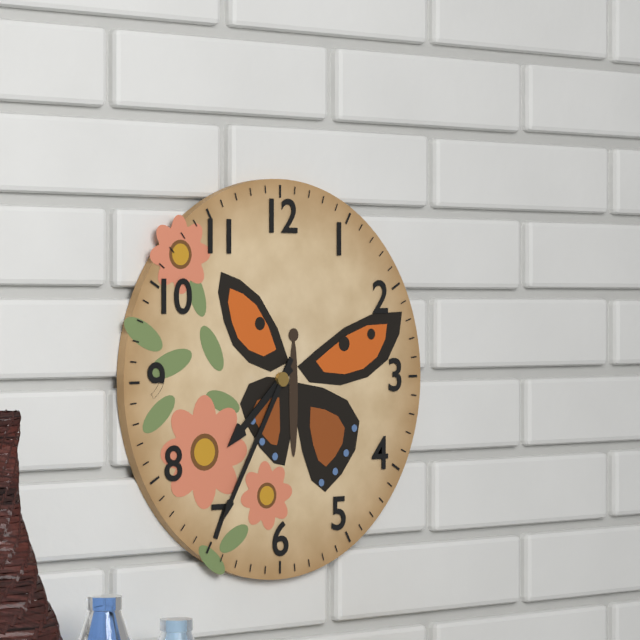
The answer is 7h35
